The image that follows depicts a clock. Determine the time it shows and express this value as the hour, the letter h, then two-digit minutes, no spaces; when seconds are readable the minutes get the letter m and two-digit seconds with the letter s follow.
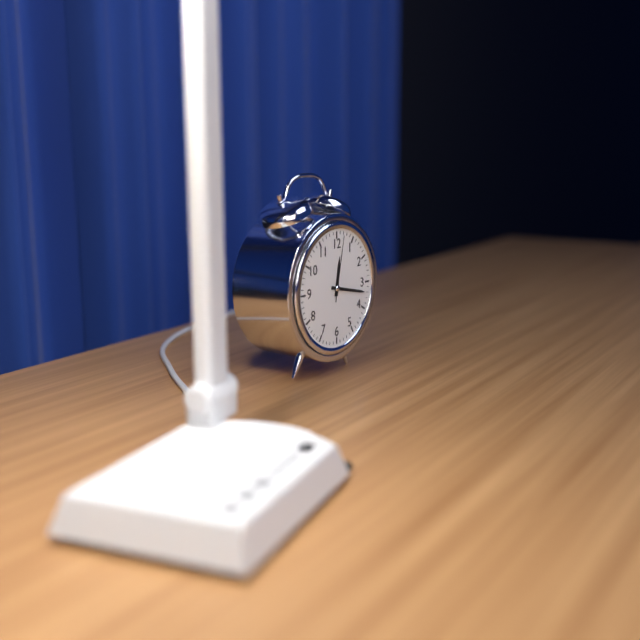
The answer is 12h17m02s
